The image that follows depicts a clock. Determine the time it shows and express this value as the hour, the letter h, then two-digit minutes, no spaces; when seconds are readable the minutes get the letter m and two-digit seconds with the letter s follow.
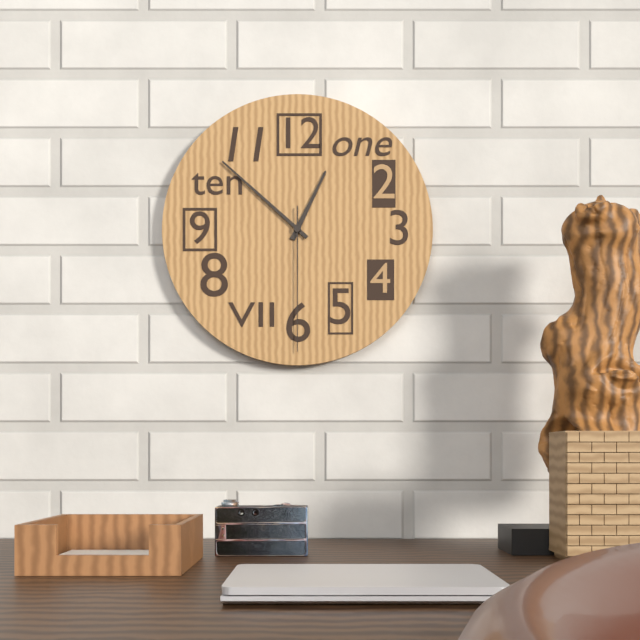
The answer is 12h52m30s
